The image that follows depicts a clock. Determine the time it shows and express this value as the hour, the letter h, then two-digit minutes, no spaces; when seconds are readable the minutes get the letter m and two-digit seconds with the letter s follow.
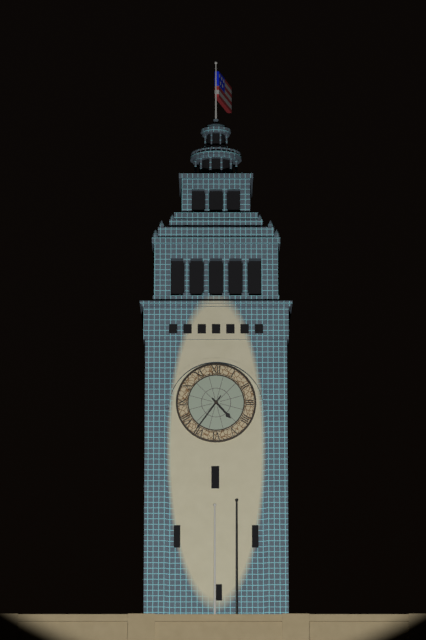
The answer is 4h36
